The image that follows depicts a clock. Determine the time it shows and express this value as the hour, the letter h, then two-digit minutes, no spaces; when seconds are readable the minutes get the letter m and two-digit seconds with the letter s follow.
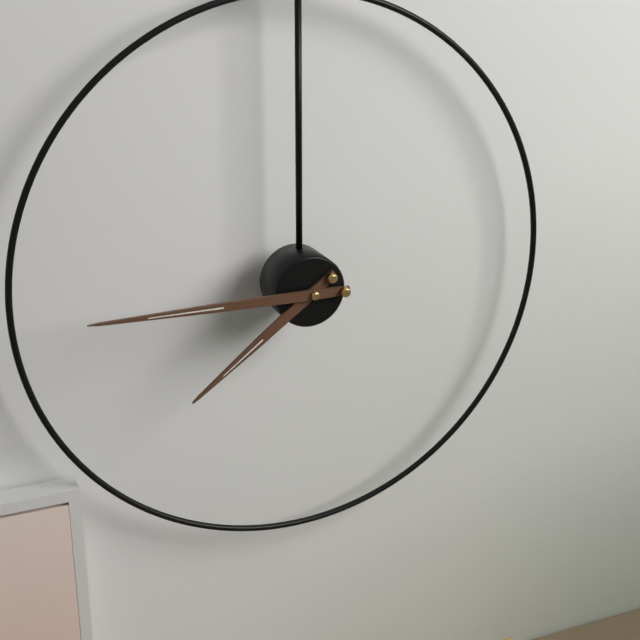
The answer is 7h45
